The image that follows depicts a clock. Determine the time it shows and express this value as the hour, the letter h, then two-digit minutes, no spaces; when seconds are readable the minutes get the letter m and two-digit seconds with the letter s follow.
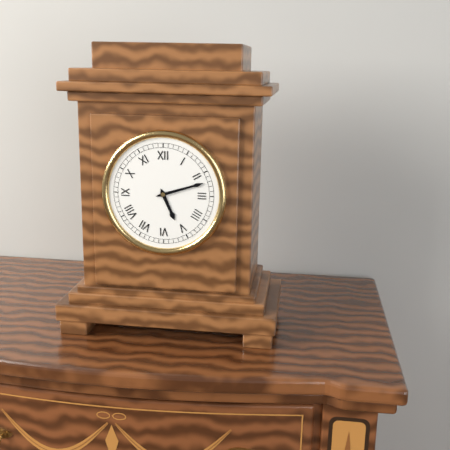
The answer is 5h12
